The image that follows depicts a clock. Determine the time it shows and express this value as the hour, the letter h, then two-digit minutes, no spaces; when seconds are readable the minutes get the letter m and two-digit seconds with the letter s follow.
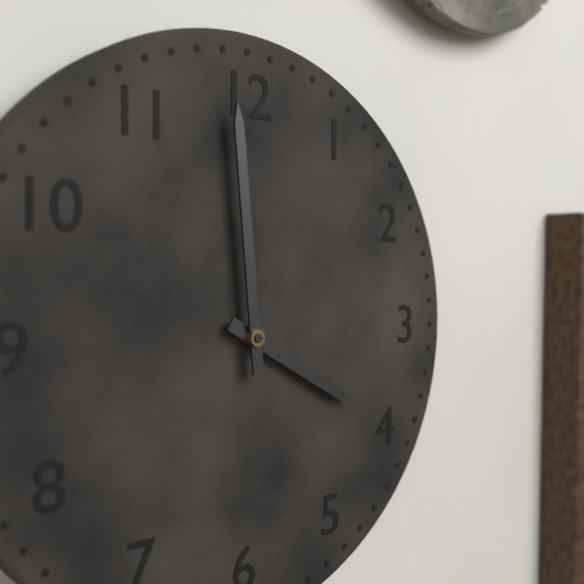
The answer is 3h59
